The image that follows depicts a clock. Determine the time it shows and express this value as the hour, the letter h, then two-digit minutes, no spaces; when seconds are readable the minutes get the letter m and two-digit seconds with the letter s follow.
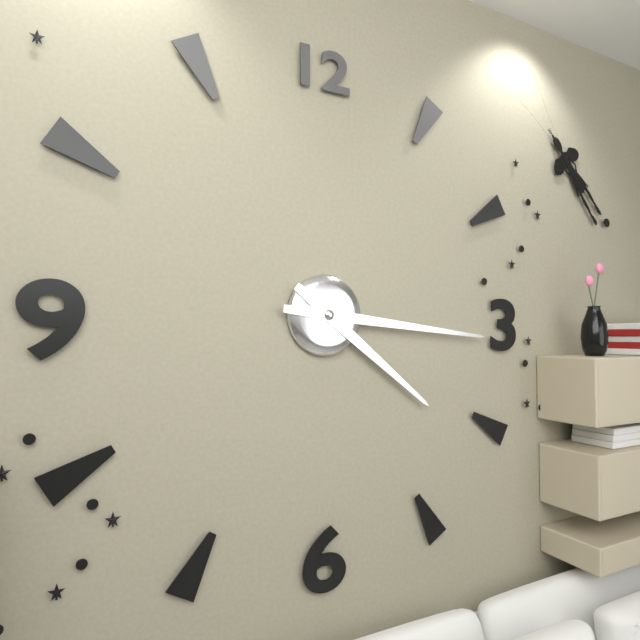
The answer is 4h16
